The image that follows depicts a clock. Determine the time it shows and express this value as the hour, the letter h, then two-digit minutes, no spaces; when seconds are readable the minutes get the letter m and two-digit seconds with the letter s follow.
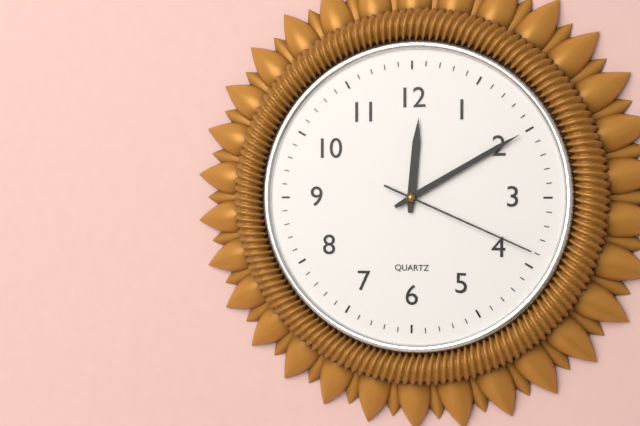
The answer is 12h10m19s
